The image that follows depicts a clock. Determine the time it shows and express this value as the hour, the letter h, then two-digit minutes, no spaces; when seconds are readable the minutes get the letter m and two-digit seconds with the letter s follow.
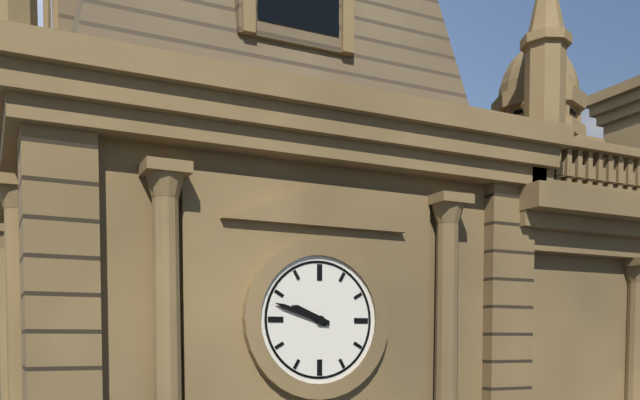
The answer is 9h48
